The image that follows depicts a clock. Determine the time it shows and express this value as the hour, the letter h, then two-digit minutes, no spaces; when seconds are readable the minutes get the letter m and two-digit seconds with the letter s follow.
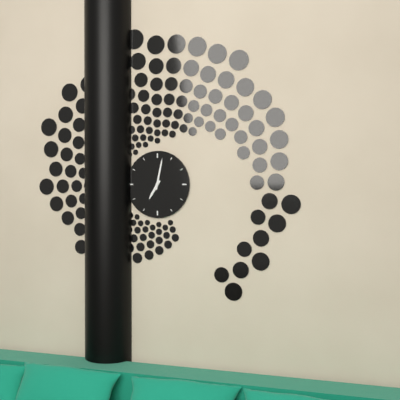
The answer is 7h02
